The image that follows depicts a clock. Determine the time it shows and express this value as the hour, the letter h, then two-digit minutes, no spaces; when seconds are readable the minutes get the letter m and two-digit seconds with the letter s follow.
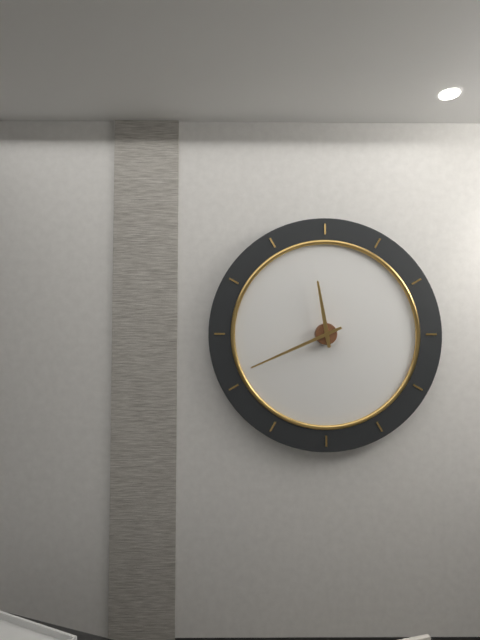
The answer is 11h41
